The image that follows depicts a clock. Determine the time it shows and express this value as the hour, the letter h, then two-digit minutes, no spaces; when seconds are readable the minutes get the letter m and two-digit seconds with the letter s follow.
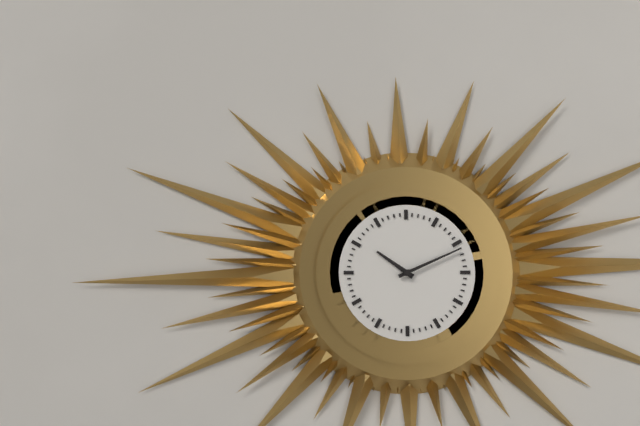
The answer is 10h11
